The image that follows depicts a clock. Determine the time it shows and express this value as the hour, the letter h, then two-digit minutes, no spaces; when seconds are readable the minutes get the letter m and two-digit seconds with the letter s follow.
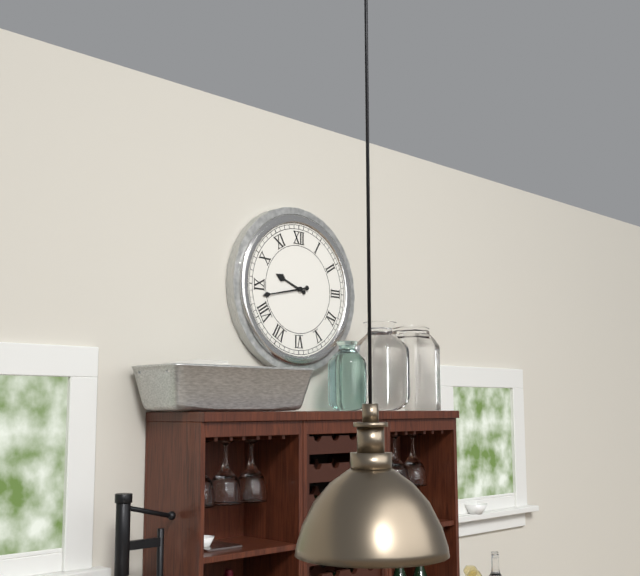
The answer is 9h43
